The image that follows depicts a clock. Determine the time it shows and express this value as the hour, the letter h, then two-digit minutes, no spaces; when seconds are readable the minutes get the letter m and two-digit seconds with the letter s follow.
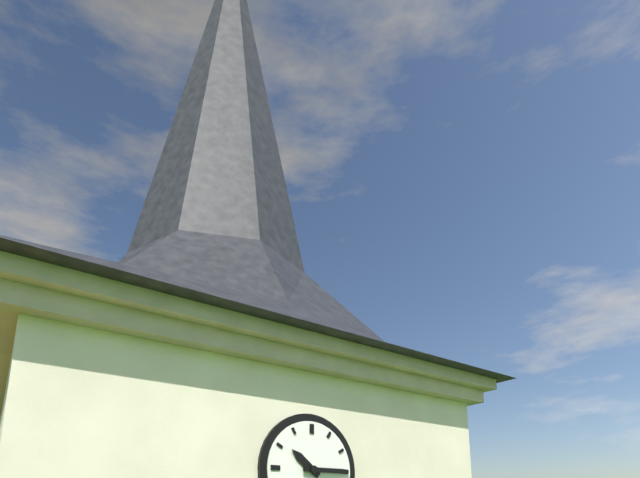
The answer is 10h15
